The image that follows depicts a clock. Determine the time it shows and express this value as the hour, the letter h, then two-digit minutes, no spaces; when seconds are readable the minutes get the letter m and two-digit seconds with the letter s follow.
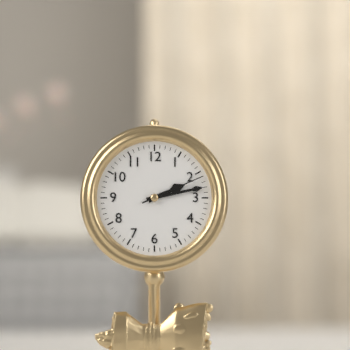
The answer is 2h13m11s
